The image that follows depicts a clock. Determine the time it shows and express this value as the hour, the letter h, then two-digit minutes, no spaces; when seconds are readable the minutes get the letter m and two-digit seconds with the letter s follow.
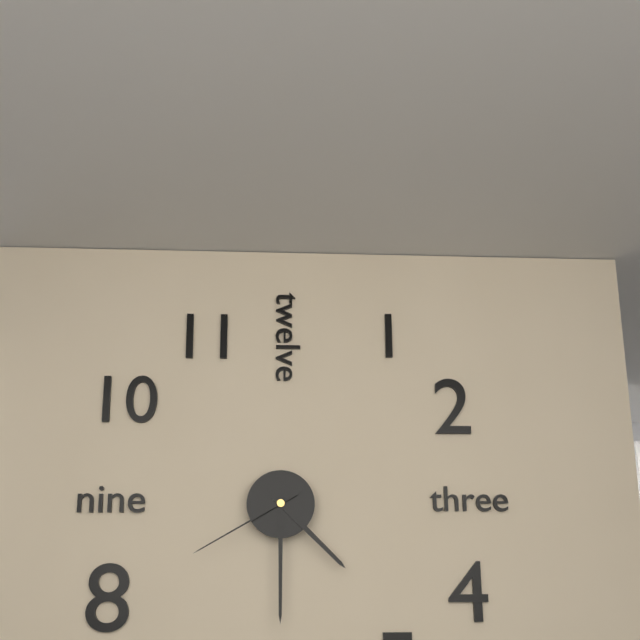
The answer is 4h30m40s
